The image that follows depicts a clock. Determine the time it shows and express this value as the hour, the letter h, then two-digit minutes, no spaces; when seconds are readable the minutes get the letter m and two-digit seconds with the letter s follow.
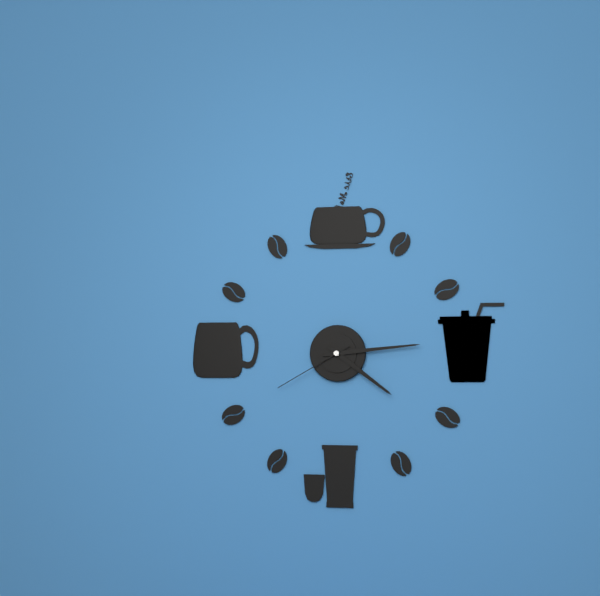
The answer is 4h14m40s
